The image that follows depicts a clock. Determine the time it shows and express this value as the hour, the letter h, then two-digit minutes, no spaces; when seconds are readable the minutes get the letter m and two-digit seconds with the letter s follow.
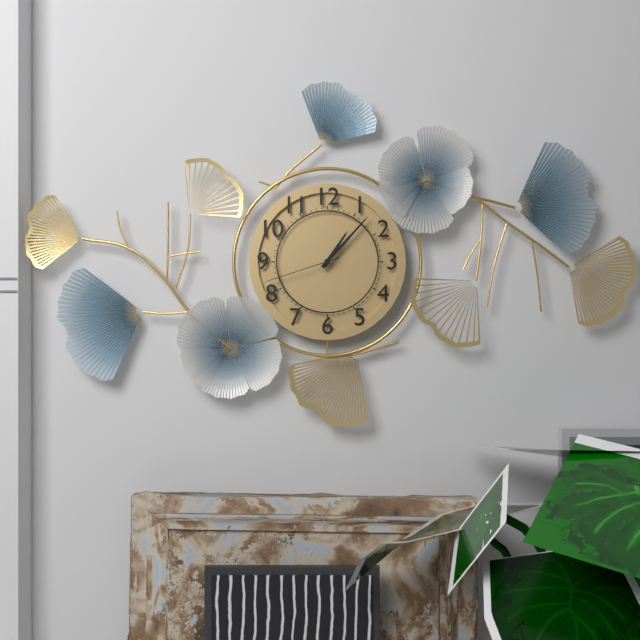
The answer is 1h07m42s
